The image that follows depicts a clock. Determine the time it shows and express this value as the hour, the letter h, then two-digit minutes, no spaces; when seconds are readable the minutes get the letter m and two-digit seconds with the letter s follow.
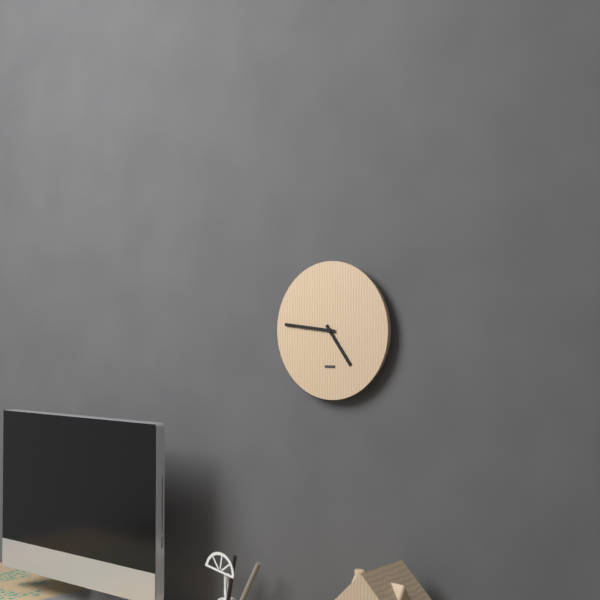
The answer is 4h46
